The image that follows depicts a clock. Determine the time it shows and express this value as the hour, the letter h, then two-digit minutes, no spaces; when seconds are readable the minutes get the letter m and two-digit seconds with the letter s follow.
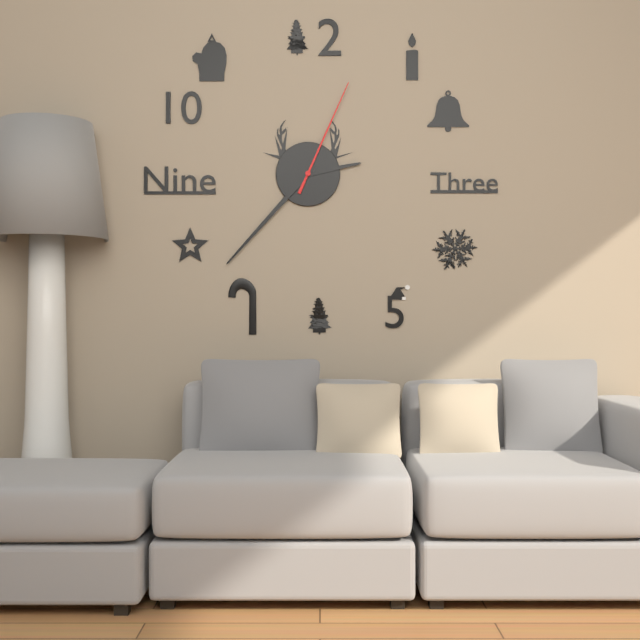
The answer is 2h37m04s
